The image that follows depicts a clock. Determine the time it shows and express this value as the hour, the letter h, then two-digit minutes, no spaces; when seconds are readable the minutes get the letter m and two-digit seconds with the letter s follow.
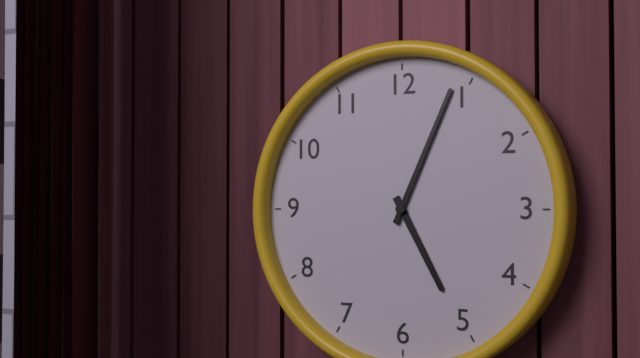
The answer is 5h04
